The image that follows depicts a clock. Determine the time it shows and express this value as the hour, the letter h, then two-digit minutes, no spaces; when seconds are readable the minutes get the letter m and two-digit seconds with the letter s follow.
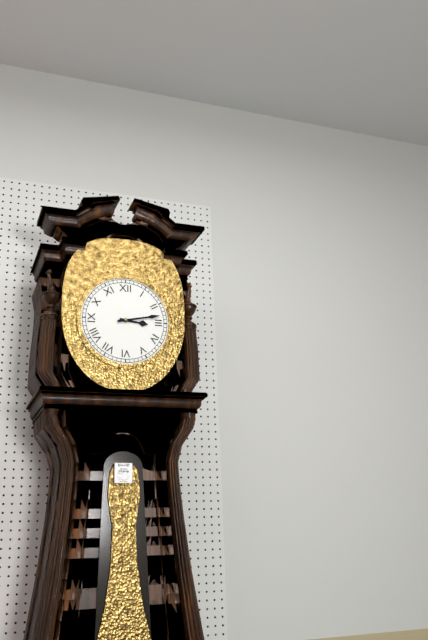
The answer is 3h13
